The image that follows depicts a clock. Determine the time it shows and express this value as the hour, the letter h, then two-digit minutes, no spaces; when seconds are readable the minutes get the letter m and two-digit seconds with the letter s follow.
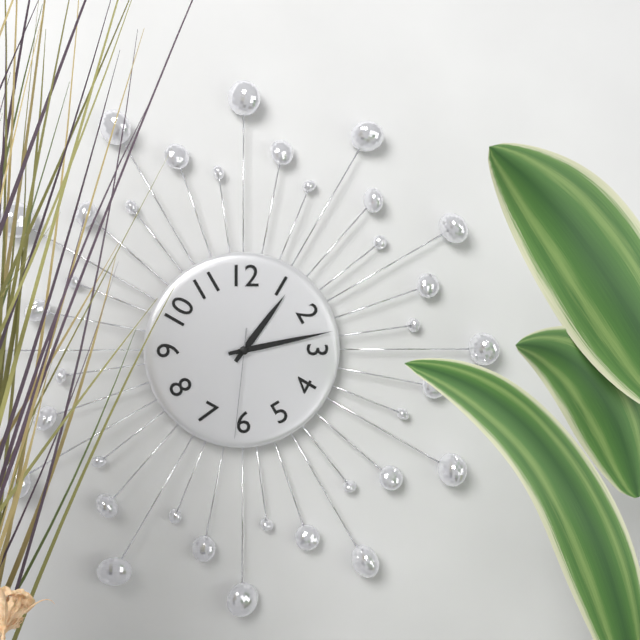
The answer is 1h13m31s
